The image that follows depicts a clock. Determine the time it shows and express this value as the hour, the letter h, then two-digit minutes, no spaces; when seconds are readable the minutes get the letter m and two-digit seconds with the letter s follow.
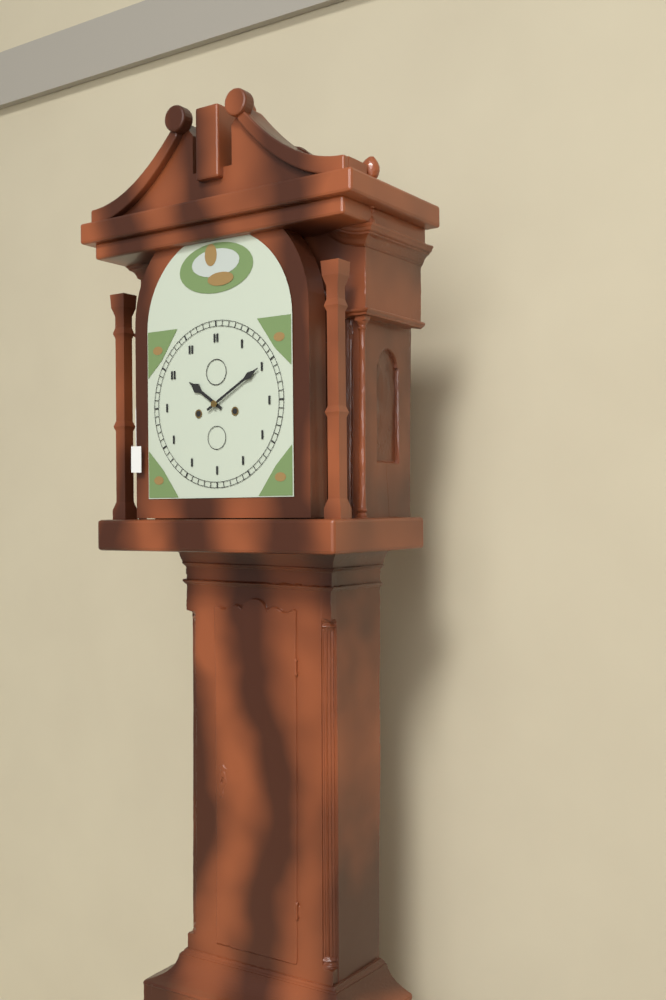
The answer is 10h10
